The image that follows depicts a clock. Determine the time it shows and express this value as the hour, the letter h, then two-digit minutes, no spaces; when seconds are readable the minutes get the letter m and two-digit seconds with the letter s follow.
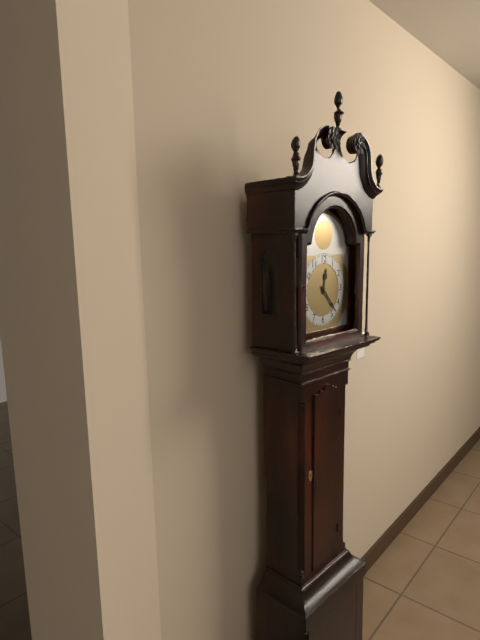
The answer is 12h23
